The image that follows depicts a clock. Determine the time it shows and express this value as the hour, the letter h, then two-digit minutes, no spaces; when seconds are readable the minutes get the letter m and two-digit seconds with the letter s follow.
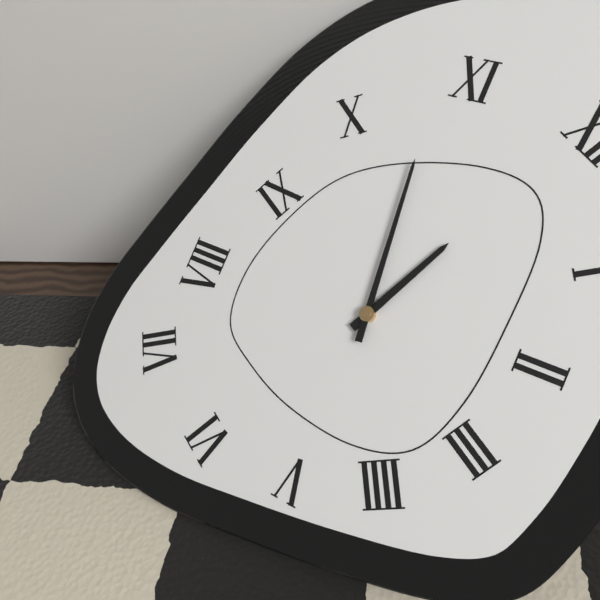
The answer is 11h54
